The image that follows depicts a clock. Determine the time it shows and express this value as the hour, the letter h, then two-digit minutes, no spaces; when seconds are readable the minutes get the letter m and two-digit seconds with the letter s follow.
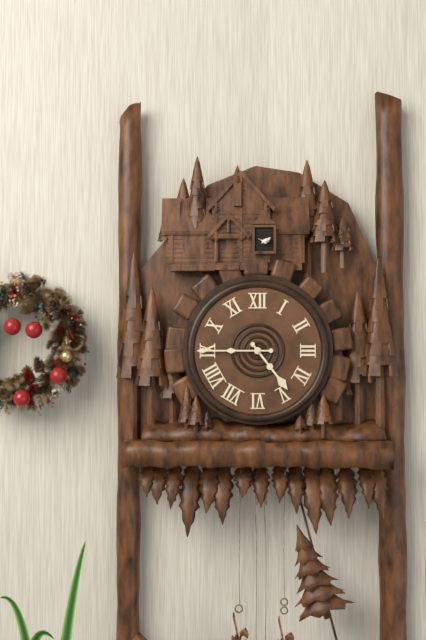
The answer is 4h45
